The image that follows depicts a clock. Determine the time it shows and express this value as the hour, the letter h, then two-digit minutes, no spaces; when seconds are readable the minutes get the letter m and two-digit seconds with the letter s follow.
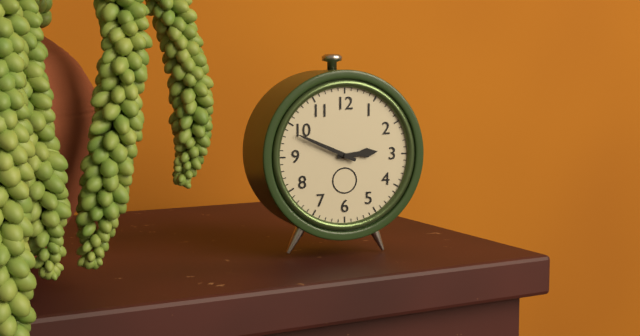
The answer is 2h49
